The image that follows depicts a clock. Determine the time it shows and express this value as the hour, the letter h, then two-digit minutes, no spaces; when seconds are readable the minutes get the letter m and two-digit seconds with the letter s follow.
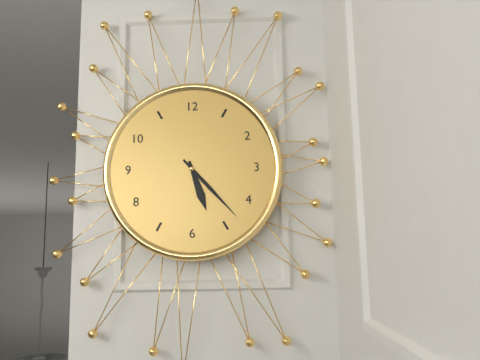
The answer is 5h23
